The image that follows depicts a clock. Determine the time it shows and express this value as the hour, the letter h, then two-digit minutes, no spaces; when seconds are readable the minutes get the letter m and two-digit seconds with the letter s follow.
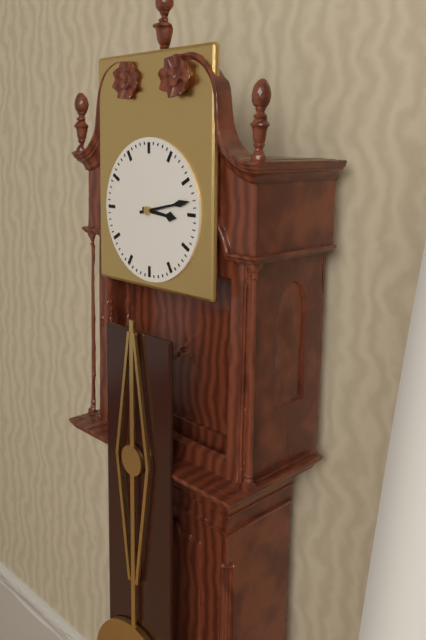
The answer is 3h13
